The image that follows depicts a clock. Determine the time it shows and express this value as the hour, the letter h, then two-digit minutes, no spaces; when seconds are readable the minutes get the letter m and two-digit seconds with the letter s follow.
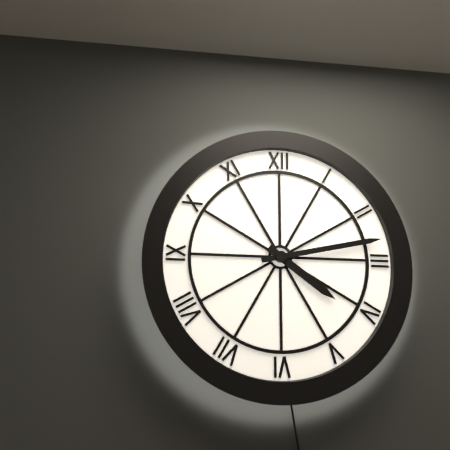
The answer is 4h13
